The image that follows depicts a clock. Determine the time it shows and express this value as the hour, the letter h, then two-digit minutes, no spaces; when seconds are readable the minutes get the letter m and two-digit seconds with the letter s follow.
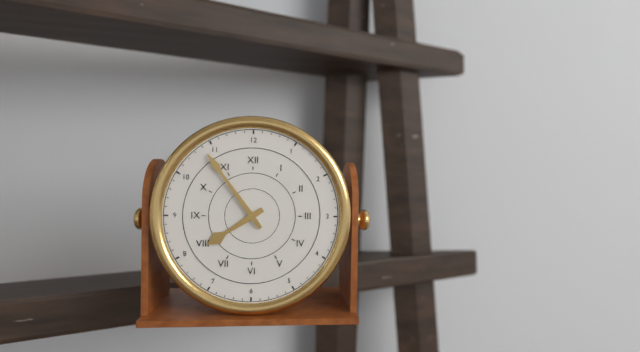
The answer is 7h54
